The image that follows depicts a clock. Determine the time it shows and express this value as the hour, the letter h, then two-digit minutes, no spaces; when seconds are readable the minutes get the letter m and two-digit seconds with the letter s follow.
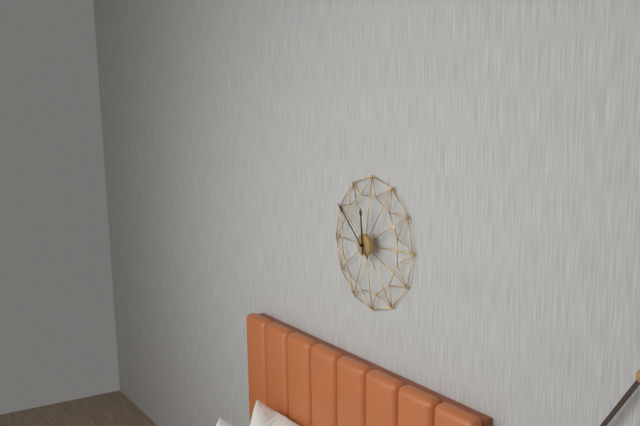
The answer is 11h52
